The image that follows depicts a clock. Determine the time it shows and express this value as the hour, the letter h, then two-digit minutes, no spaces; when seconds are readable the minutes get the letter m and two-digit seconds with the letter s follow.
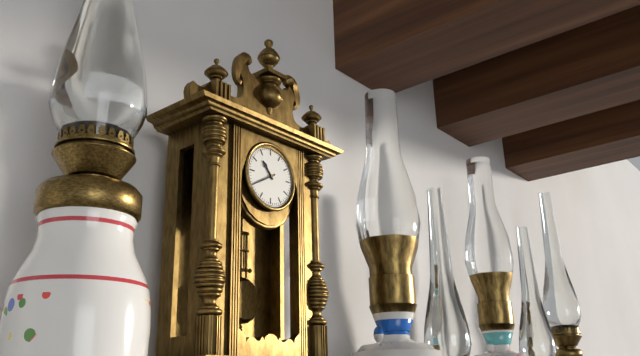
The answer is 10h40
